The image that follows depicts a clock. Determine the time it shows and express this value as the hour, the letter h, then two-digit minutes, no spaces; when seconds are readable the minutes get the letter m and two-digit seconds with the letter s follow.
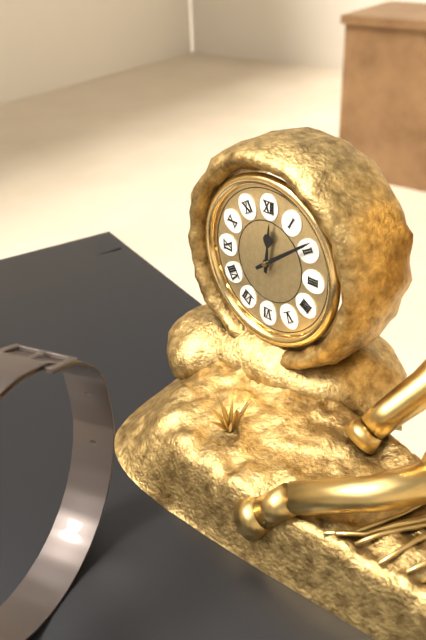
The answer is 12h09
